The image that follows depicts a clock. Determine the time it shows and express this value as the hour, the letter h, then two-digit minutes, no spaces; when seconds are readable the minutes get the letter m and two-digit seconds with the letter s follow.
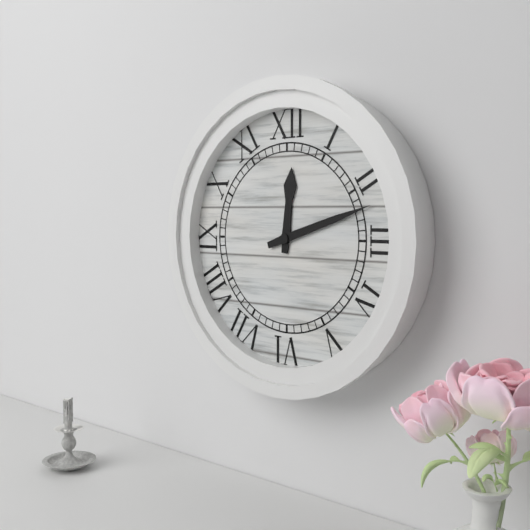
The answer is 12h12
